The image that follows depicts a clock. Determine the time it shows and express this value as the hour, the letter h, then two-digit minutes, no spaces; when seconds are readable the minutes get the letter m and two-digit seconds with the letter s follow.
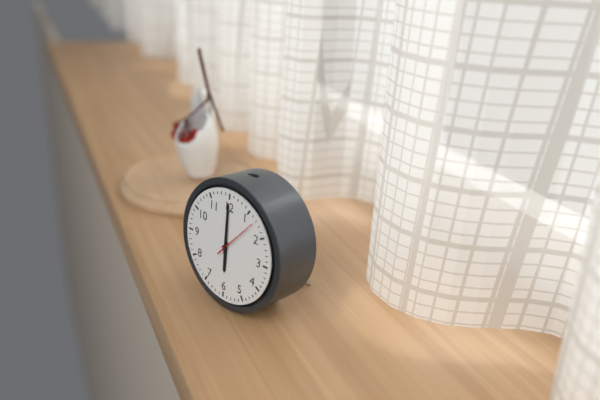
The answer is 6h00
